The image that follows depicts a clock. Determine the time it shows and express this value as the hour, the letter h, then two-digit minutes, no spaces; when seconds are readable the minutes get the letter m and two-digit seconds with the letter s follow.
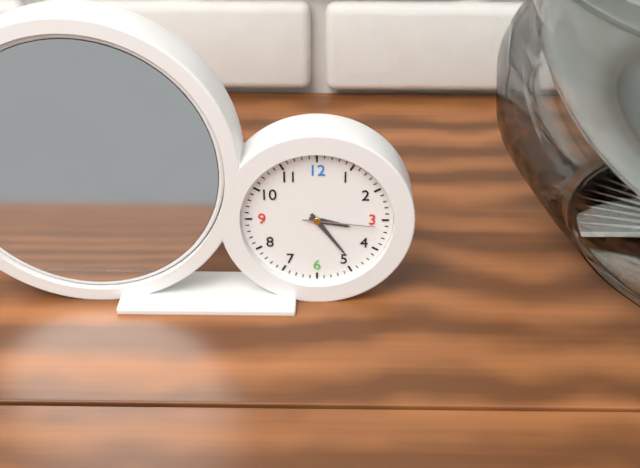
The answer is 3h24m16s
